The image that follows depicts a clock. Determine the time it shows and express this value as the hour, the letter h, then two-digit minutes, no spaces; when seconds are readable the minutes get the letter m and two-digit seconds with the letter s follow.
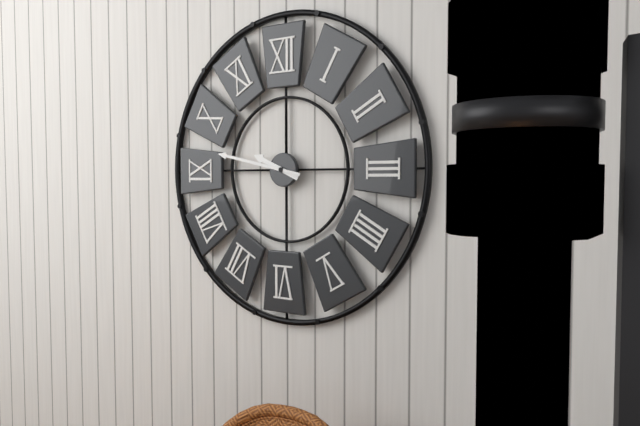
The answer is 9h47
